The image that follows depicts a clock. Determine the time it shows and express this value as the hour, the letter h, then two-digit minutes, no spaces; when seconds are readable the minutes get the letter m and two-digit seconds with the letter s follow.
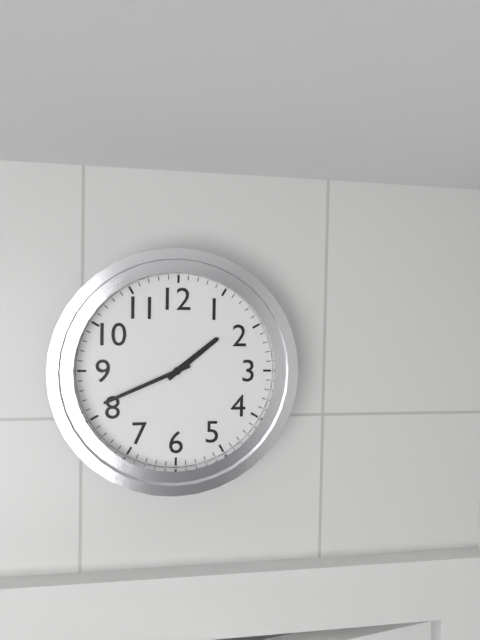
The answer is 1h41
